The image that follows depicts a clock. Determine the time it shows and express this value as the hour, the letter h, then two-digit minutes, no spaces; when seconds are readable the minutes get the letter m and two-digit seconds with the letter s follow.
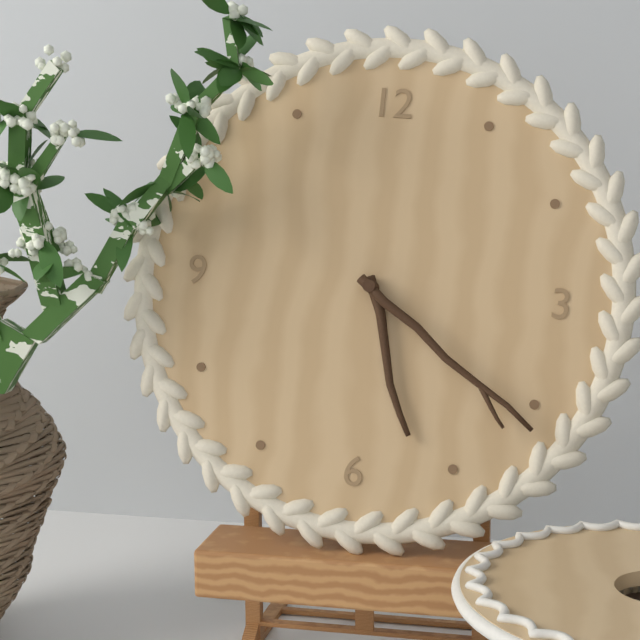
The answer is 5h21
